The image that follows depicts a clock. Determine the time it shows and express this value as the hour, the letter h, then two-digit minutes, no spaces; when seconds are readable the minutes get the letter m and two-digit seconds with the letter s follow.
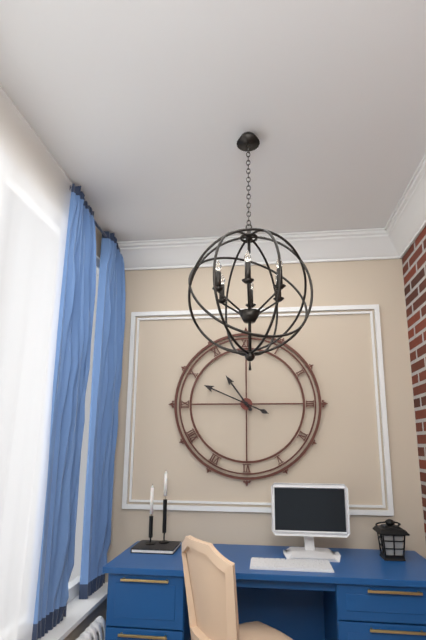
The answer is 10h49
